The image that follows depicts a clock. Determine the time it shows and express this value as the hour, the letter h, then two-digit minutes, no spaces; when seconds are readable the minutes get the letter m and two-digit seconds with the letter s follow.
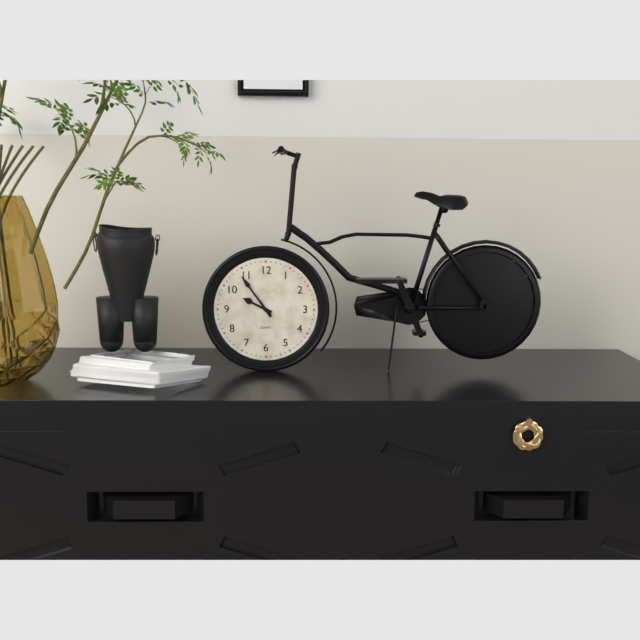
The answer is 9h54
